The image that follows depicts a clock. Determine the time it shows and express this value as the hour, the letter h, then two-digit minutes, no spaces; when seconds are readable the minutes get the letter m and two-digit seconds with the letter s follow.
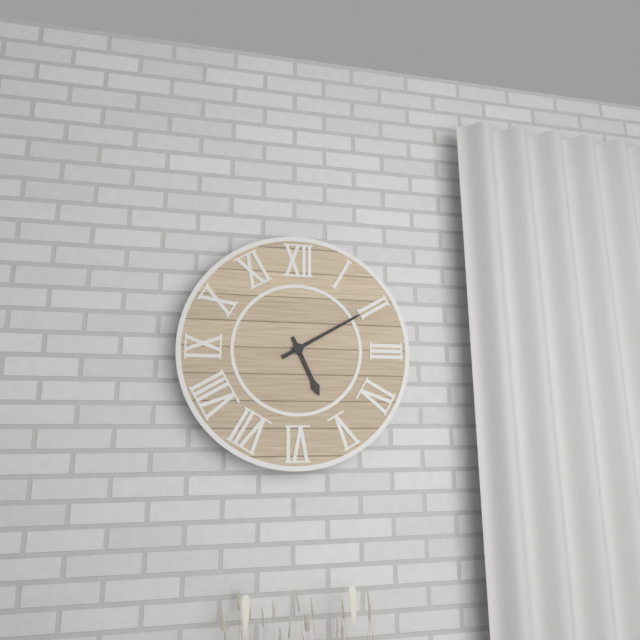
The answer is 5h10
